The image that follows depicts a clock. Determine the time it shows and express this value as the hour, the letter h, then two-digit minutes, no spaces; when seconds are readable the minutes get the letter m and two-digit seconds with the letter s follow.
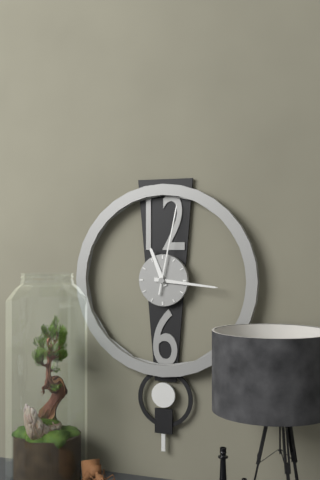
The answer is 11h16m02s
